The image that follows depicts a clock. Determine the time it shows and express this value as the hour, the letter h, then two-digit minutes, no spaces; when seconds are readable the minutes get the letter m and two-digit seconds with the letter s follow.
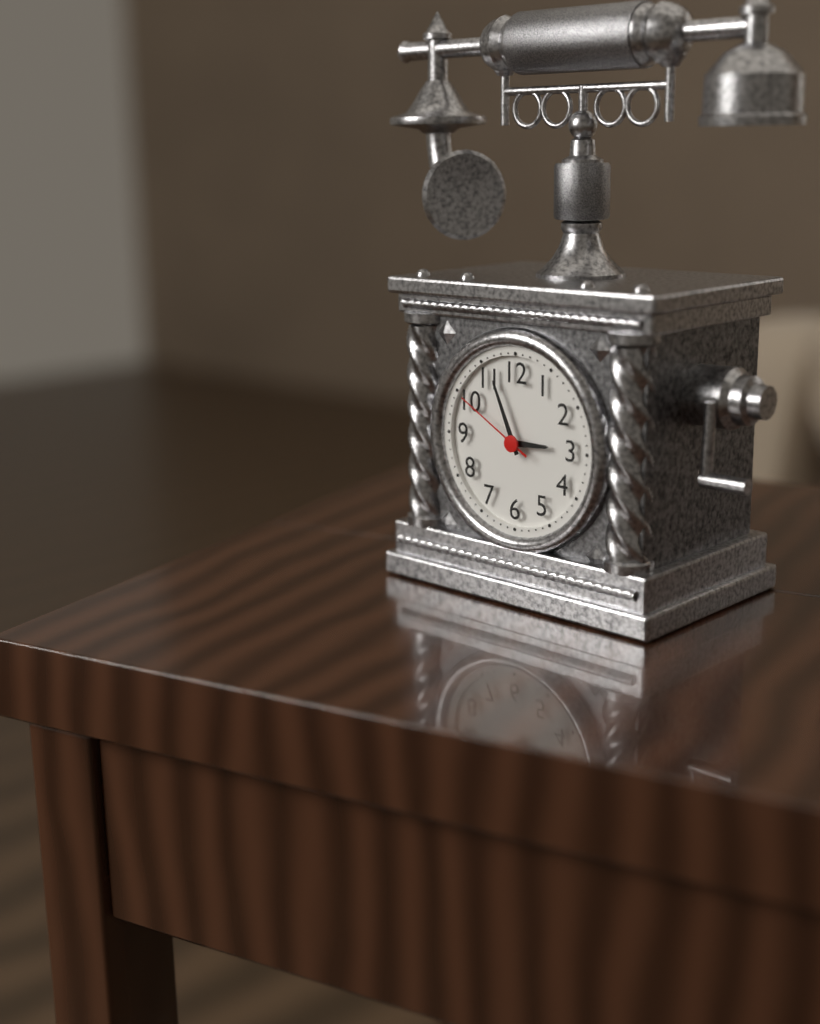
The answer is 2h56m50s
